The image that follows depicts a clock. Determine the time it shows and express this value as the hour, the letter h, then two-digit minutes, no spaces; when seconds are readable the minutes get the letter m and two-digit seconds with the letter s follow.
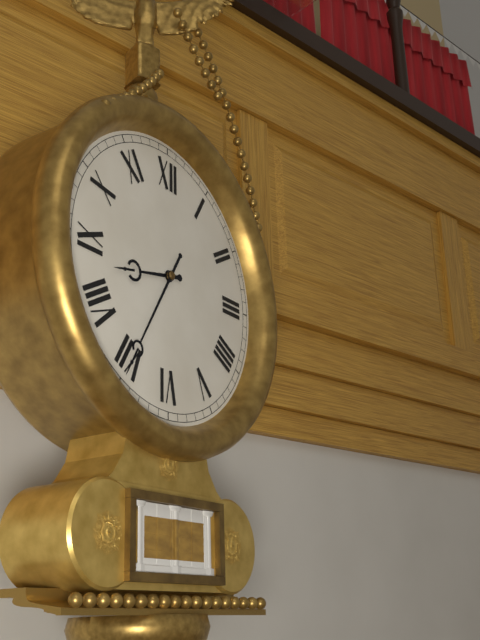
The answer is 8h35
